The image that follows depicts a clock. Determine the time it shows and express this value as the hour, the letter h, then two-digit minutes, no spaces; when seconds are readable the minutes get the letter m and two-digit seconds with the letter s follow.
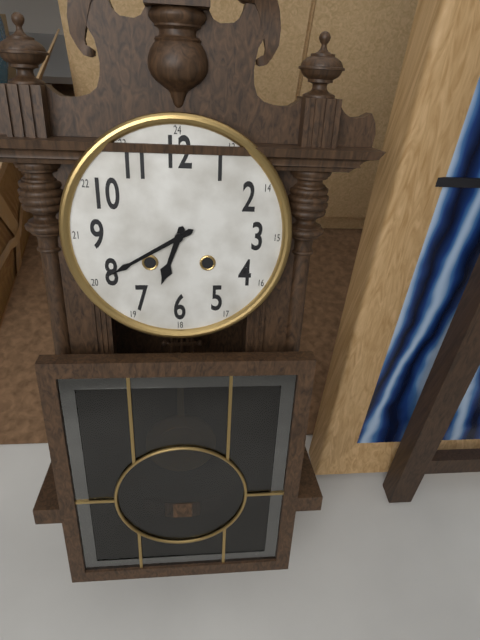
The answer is 6h40
